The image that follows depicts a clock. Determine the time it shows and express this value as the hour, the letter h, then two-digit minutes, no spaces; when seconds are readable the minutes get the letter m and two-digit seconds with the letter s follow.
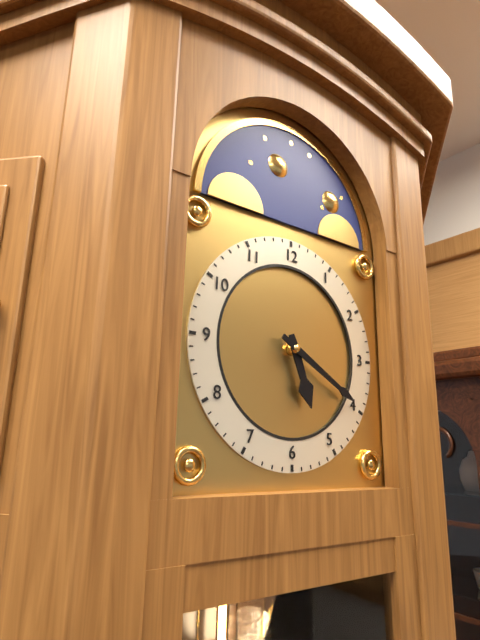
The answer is 5h20
